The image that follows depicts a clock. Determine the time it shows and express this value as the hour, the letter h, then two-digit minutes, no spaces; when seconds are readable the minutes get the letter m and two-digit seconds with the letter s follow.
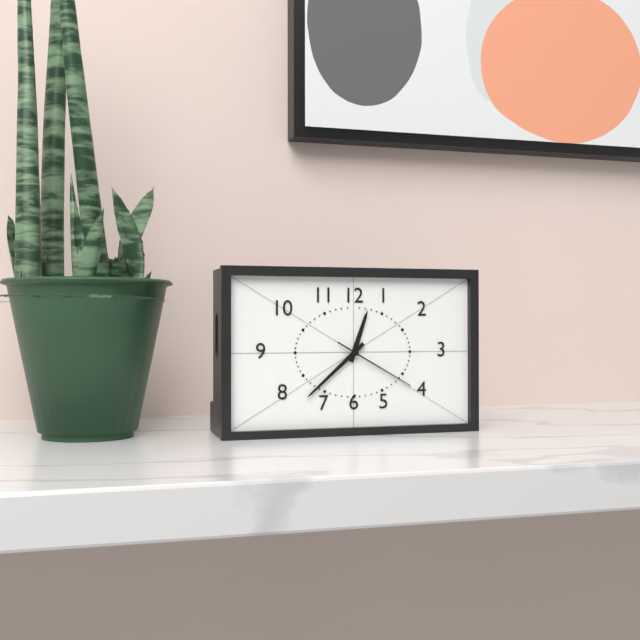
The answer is 12h38m20s
